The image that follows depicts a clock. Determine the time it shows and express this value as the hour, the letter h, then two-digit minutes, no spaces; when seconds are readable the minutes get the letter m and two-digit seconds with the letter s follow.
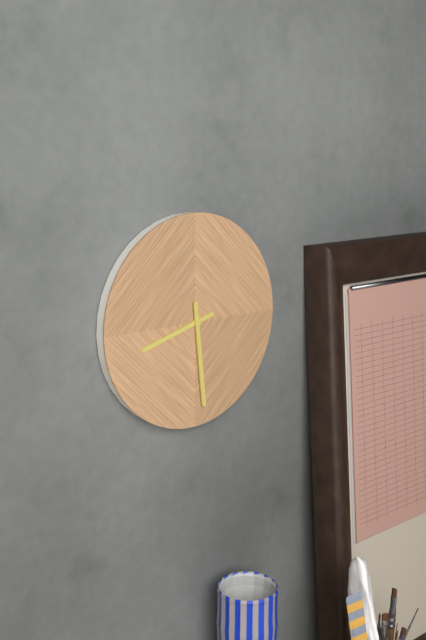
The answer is 8h29
